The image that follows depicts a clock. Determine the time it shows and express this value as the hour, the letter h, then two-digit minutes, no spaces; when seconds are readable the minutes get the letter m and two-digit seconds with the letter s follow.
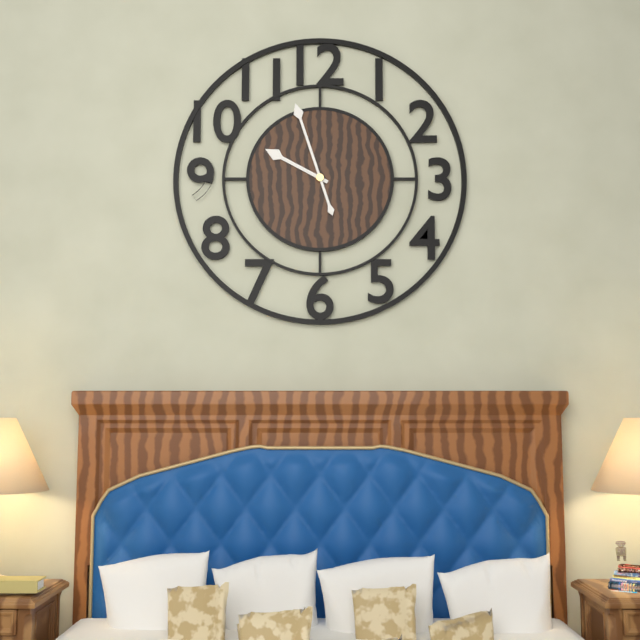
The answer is 9h57
